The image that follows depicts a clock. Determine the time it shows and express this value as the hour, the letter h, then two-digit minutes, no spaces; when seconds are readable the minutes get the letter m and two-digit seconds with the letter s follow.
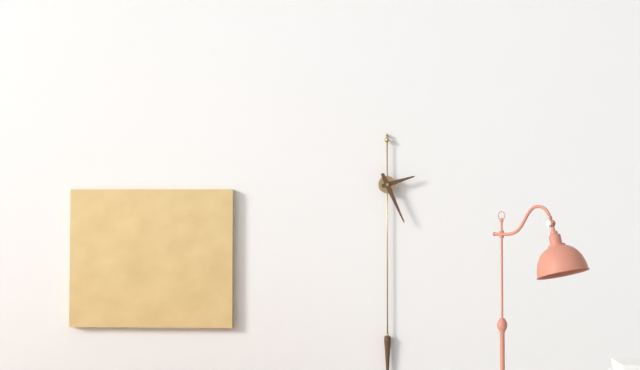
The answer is 2h26
